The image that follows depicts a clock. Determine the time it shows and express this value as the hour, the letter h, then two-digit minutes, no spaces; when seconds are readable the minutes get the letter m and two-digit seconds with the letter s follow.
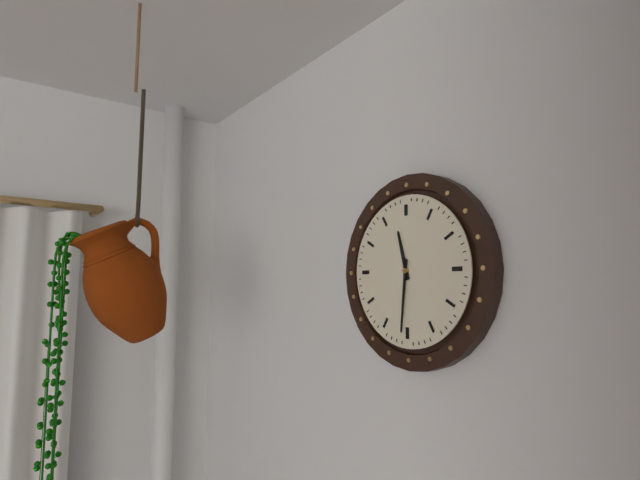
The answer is 11h31
